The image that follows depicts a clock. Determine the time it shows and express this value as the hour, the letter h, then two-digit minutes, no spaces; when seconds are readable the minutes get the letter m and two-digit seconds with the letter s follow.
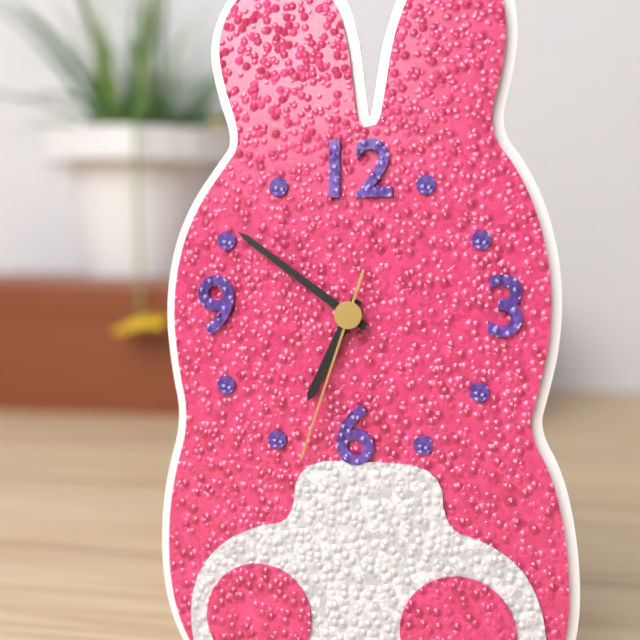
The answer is 6h51m33s
